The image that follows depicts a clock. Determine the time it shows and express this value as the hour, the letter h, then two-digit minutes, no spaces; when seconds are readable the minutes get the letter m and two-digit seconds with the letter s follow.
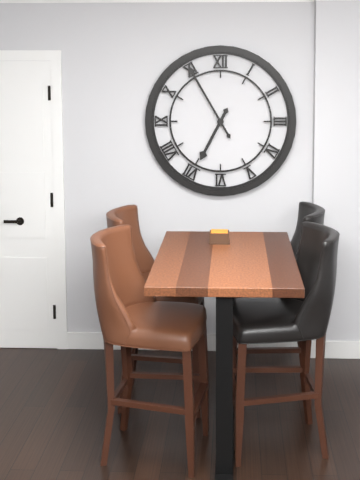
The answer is 6h55
